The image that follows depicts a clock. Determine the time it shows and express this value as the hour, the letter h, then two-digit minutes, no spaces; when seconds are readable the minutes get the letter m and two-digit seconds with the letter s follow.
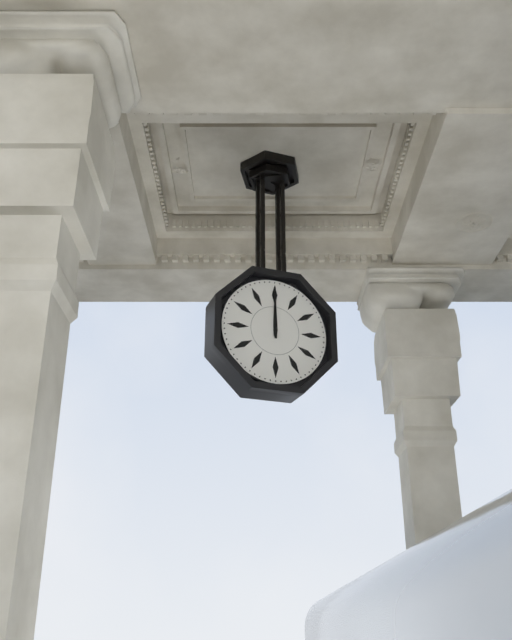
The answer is 12h00
